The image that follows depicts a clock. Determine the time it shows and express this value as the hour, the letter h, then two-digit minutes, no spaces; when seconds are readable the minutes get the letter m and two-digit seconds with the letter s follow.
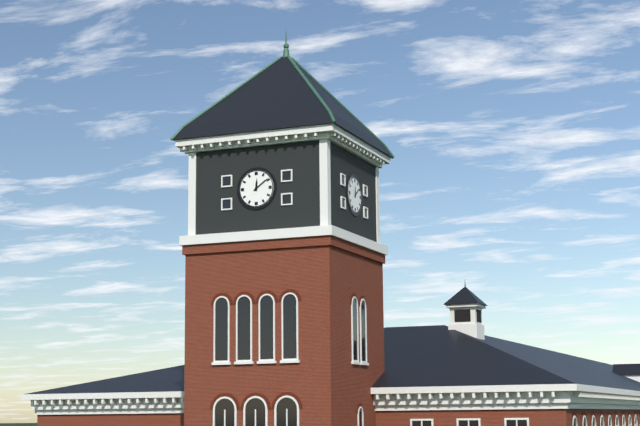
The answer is 12h09
